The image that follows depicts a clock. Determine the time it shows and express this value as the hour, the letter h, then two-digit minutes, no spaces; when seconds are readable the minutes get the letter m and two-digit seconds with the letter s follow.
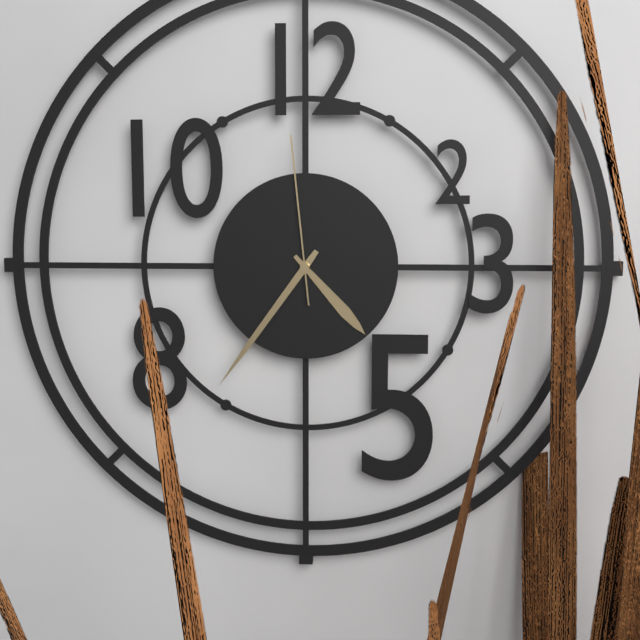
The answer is 4h36m59s
